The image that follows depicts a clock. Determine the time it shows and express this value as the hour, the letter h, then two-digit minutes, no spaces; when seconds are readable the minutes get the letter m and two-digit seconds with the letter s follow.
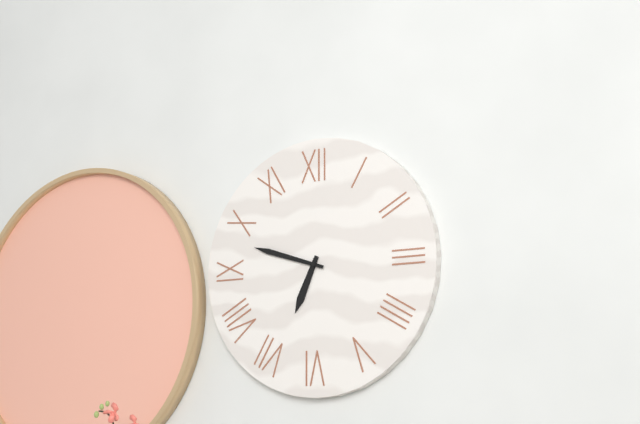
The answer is 6h48
